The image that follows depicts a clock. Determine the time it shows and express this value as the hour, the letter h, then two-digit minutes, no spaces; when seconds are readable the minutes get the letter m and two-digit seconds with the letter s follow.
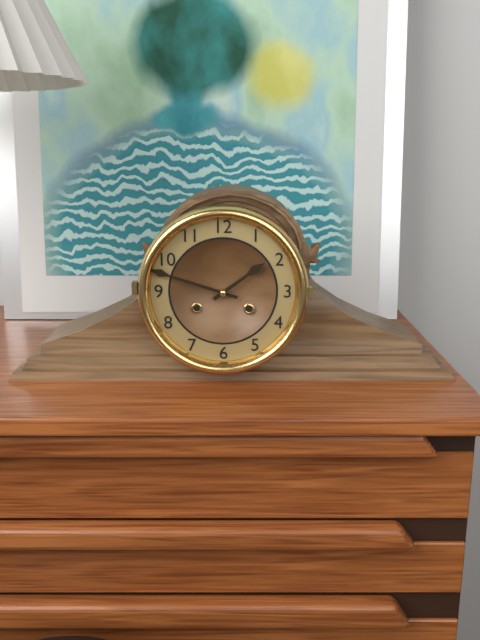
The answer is 1h48
